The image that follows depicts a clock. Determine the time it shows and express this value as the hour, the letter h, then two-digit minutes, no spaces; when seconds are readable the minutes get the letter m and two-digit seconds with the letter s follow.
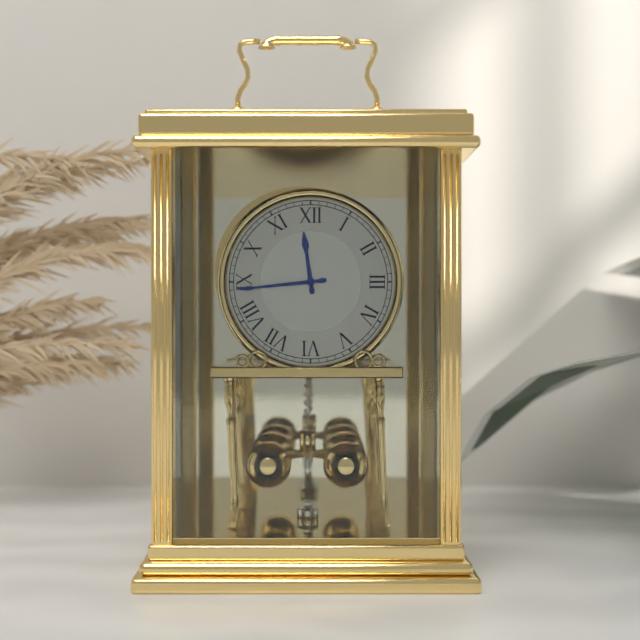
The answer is 11h44
